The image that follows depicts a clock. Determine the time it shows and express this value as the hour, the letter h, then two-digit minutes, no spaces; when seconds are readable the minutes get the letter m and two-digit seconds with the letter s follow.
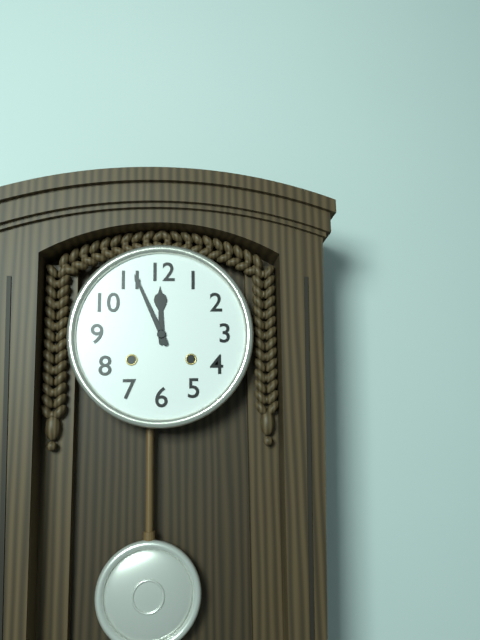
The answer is 11h56
